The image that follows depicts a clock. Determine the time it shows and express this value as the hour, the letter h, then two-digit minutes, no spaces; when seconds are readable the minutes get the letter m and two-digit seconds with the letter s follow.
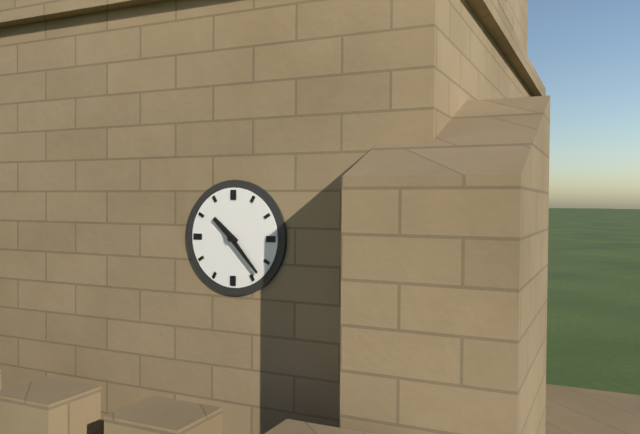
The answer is 10h23
